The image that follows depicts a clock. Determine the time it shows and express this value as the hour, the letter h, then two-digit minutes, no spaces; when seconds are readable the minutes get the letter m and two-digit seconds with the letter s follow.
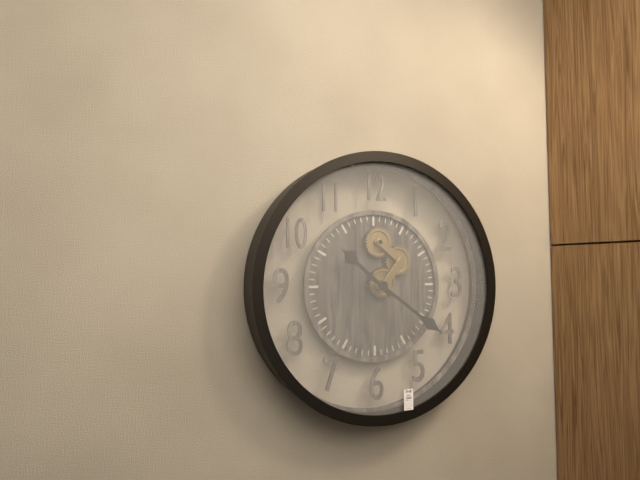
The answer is 10h21
